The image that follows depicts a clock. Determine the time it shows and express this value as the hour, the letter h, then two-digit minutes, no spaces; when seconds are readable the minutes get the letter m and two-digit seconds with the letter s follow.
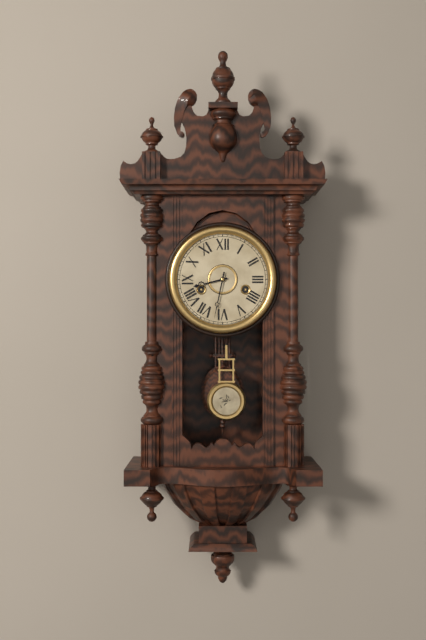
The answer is 8h32
